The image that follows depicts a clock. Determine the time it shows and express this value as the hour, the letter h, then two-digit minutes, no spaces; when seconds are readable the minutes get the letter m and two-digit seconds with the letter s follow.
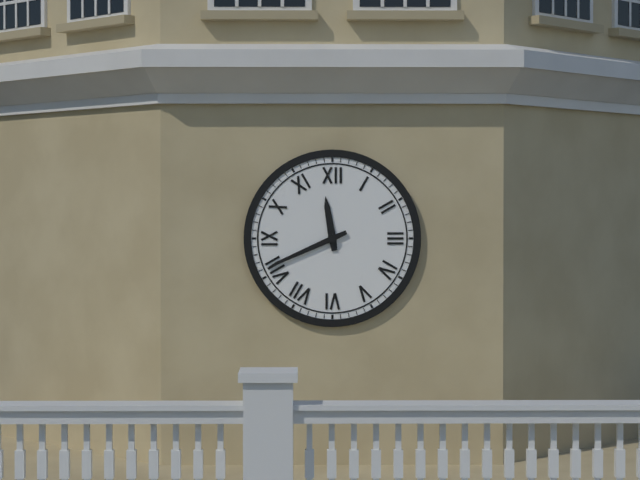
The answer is 11h41
